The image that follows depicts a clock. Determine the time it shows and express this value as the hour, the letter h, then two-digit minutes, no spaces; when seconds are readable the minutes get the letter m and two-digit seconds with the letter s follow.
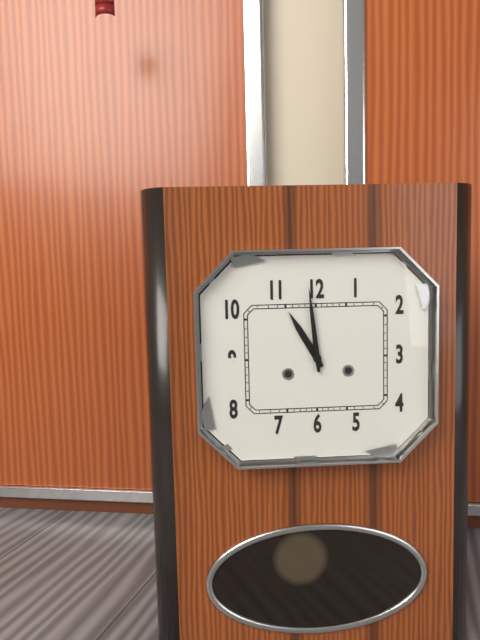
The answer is 10h59
